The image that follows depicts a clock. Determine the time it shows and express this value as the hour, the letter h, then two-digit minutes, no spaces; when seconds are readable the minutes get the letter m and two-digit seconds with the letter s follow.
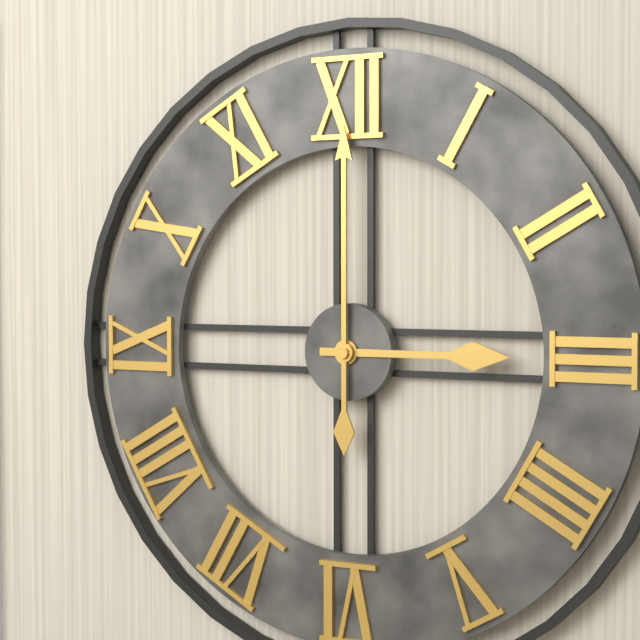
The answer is 3h00
